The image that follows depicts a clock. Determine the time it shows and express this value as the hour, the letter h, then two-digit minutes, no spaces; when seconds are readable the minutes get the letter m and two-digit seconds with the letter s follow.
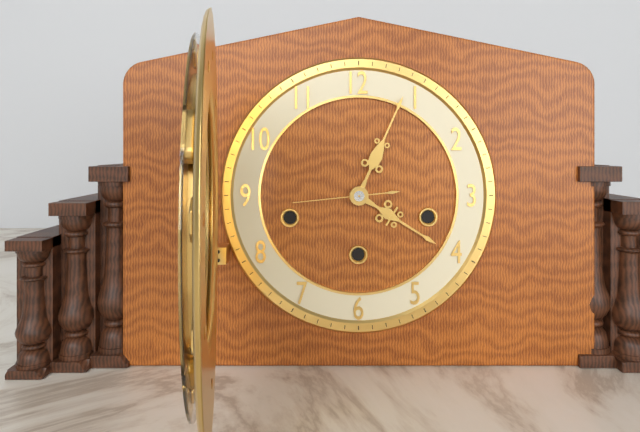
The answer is 4h04m44s
